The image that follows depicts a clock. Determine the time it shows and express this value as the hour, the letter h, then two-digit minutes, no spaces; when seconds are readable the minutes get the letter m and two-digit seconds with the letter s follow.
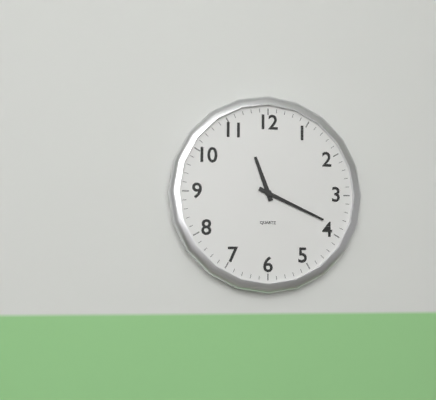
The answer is 11h19
